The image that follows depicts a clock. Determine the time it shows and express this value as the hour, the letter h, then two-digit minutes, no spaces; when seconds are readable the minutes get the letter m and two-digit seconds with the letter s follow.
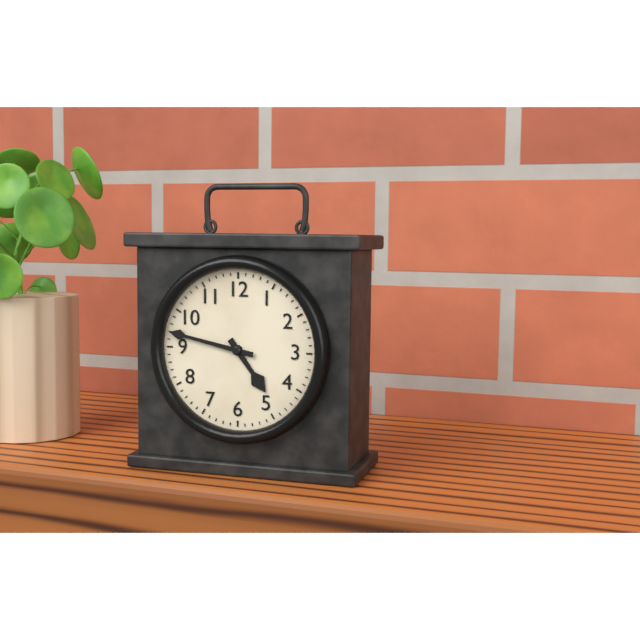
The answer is 4h47
